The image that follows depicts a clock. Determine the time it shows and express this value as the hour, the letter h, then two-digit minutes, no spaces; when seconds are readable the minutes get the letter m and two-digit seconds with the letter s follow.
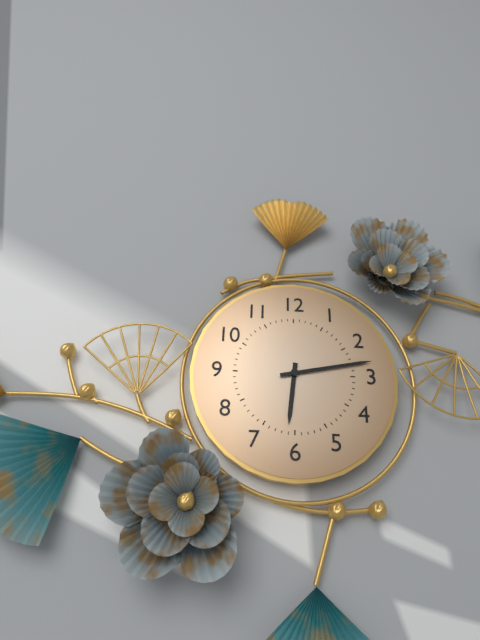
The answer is 6h13
